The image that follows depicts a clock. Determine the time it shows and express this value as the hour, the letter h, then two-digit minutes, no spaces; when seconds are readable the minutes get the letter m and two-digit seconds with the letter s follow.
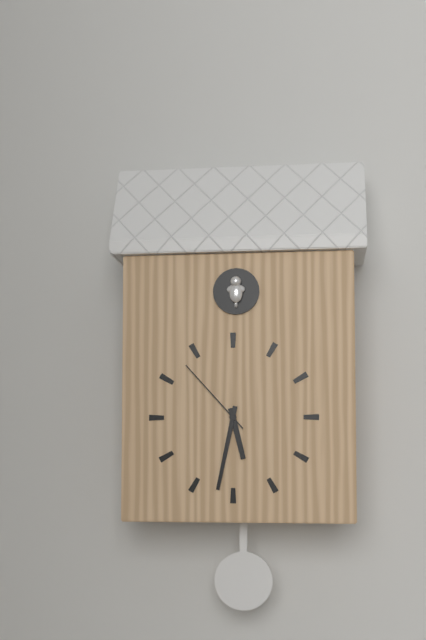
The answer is 5h32m53s
